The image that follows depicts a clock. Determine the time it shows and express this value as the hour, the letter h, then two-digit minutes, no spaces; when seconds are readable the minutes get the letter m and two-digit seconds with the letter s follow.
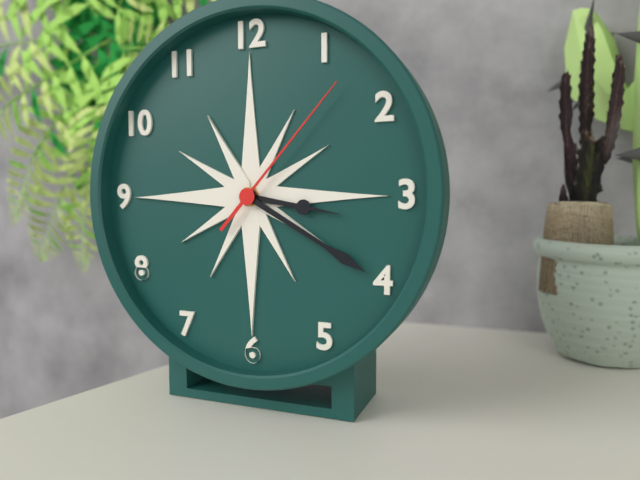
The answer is 3h20m07s
